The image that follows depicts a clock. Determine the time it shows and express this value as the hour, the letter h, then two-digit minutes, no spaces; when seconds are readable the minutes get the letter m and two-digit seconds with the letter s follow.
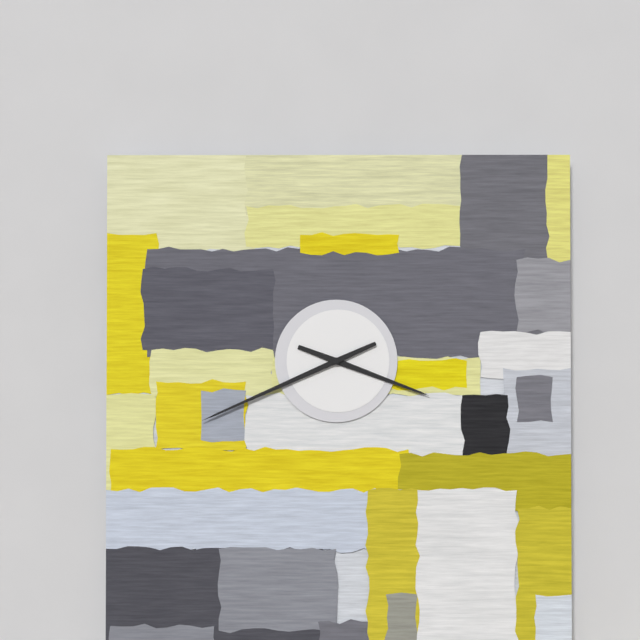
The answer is 3h41
